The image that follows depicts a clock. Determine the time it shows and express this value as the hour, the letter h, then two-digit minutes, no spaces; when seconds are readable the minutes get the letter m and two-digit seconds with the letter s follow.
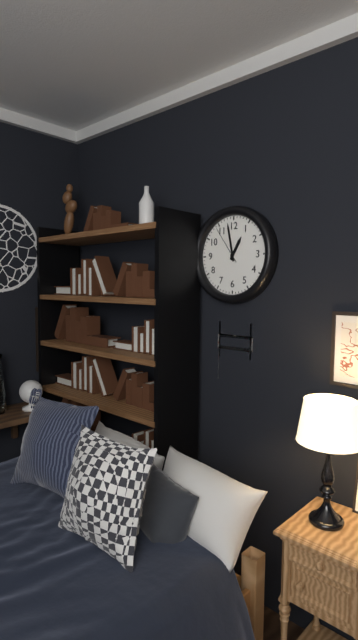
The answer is 12h58
